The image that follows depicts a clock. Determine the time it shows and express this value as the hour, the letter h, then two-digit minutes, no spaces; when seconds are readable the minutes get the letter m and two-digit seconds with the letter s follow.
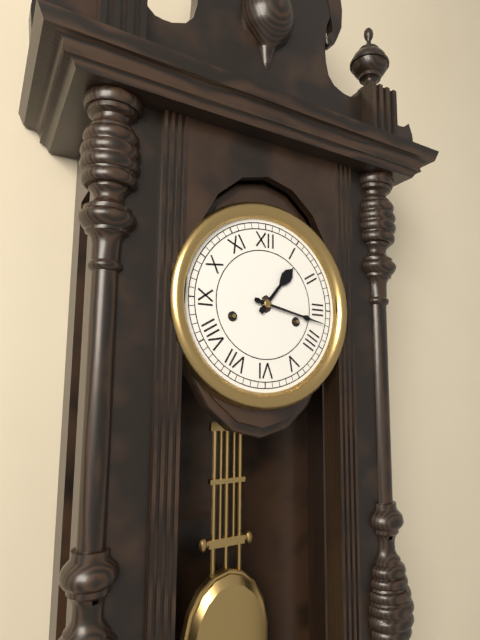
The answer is 1h17
